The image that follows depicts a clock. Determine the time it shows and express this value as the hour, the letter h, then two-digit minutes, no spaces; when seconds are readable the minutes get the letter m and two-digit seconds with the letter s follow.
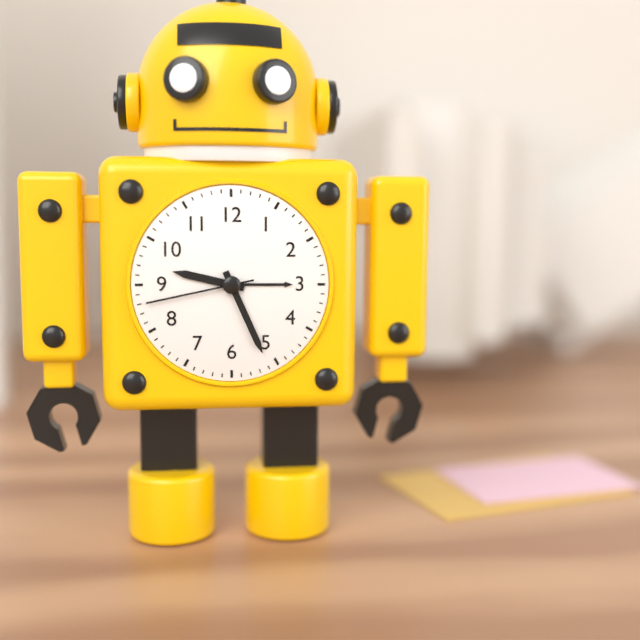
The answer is 9h26m43s
